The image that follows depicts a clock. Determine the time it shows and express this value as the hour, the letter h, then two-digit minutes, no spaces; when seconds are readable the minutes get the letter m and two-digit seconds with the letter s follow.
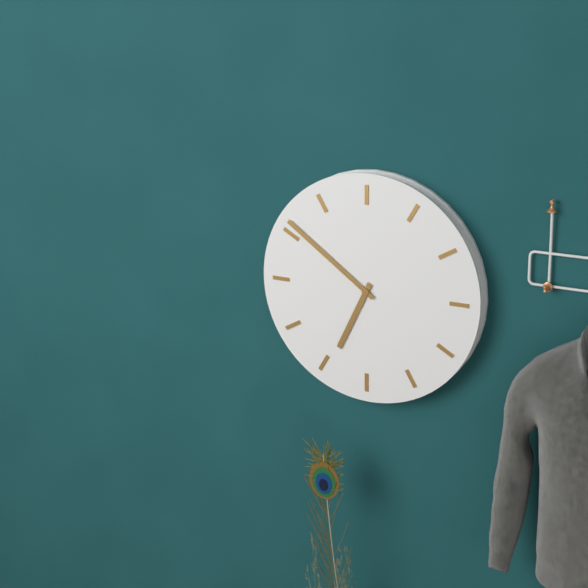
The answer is 6h51
